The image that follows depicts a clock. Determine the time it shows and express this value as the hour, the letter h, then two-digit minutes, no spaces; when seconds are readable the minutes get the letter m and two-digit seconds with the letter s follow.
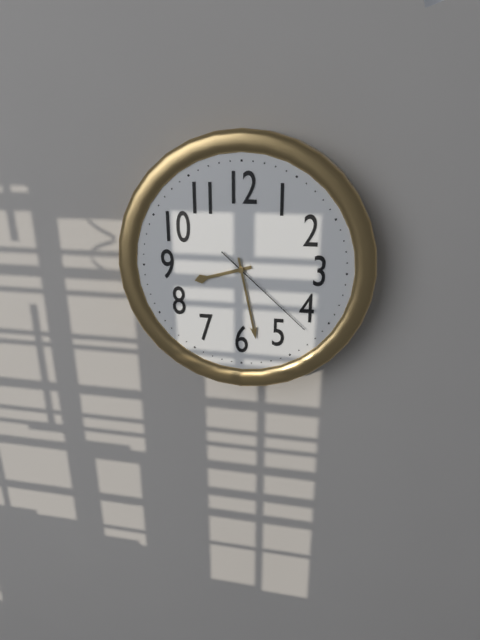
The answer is 8h28m22s
